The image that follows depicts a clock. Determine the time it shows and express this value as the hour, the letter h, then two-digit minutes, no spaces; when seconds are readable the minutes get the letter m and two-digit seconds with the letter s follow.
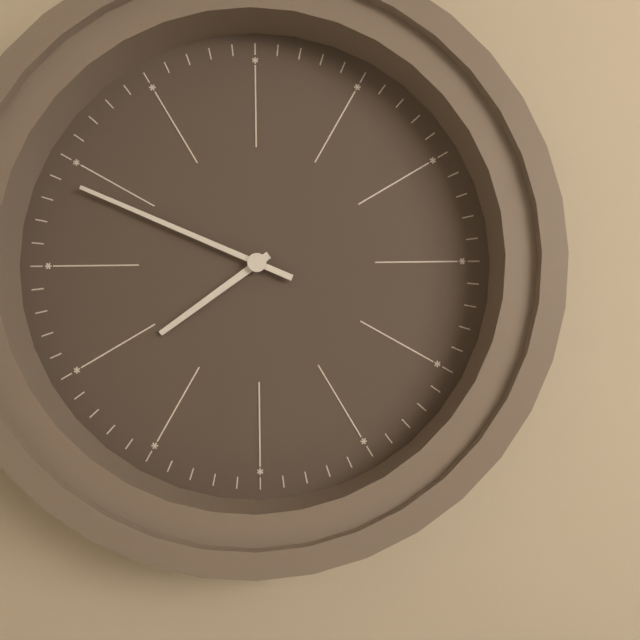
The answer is 7h49
